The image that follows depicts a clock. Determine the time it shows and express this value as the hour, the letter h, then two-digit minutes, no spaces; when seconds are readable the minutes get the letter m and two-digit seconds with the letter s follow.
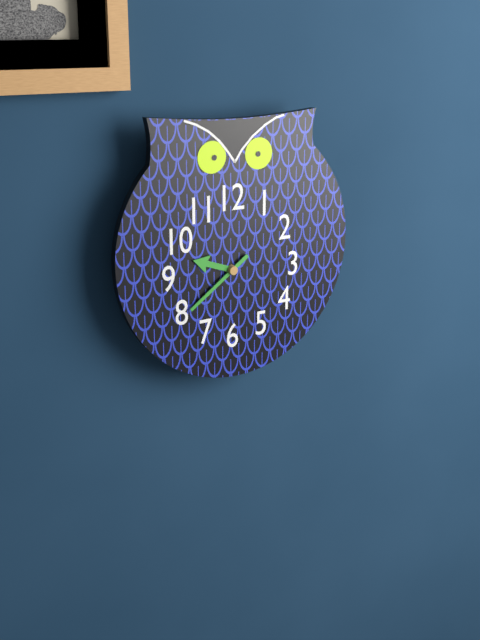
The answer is 9h39
